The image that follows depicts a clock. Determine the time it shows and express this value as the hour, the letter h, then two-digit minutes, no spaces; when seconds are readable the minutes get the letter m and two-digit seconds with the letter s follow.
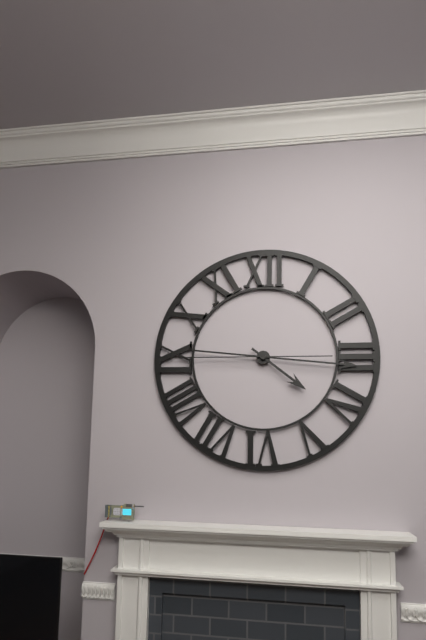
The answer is 4h16m45s
